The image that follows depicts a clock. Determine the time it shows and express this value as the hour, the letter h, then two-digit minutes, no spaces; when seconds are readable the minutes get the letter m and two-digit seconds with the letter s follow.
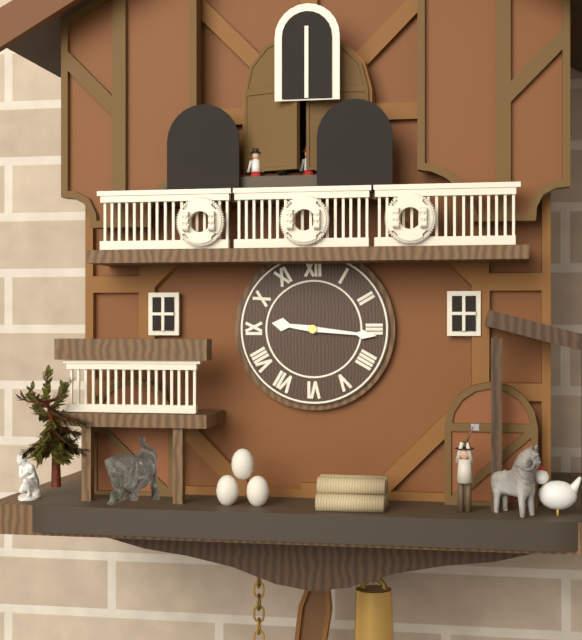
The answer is 9h16
